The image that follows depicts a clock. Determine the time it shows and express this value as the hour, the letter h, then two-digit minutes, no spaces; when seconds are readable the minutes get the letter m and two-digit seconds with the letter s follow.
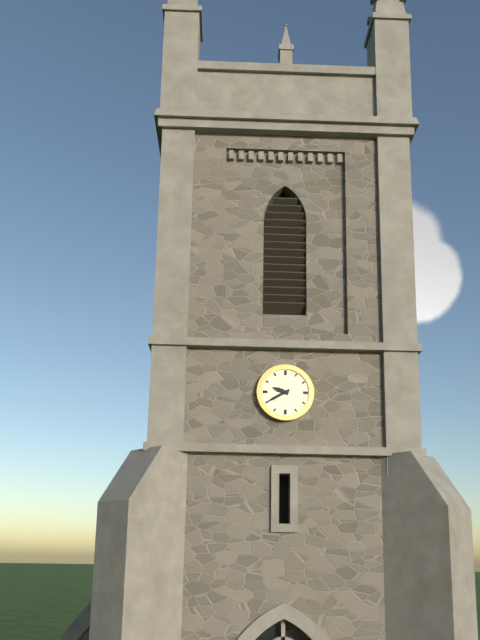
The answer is 9h40
